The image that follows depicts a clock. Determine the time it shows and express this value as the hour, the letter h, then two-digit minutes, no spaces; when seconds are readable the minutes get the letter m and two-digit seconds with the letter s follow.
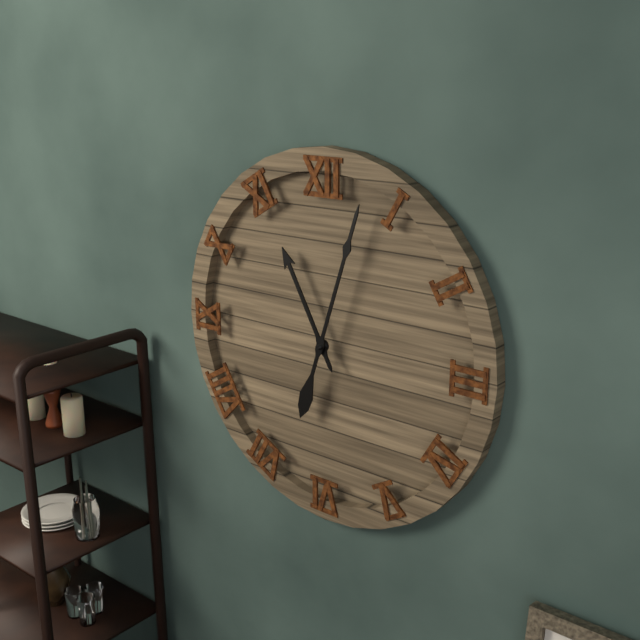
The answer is 11h03
